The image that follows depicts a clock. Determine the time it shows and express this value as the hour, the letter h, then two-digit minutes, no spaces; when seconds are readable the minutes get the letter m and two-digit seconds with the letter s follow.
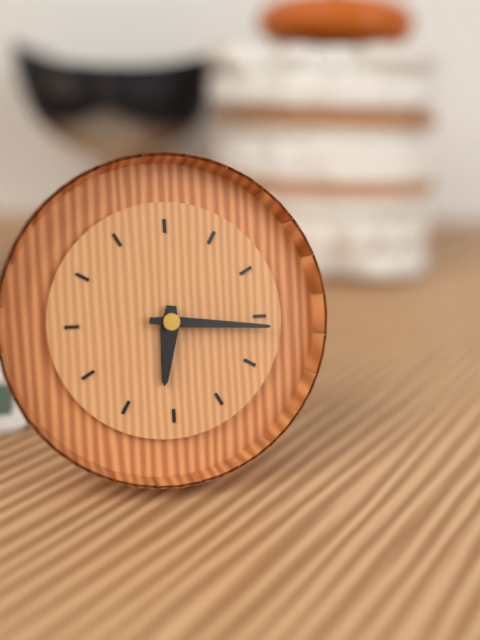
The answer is 6h16
